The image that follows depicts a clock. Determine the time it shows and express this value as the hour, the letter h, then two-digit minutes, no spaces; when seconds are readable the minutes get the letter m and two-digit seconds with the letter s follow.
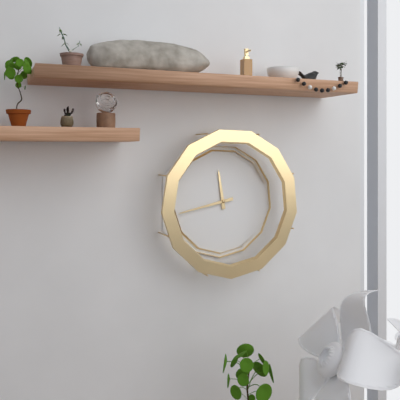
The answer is 11h43
